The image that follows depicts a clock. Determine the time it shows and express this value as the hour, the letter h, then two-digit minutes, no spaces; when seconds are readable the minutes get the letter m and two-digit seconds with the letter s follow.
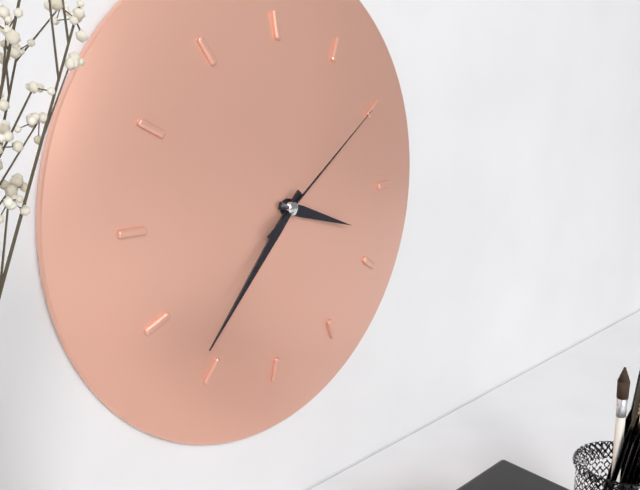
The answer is 3h37m09s
